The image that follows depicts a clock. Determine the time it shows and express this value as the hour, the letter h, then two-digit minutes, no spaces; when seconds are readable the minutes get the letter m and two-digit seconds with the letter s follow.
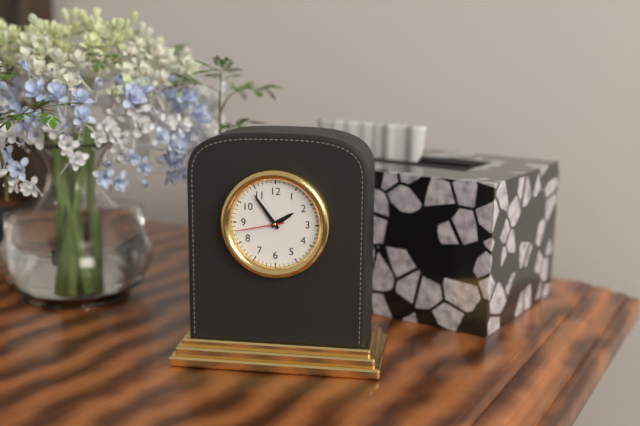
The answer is 1h54
